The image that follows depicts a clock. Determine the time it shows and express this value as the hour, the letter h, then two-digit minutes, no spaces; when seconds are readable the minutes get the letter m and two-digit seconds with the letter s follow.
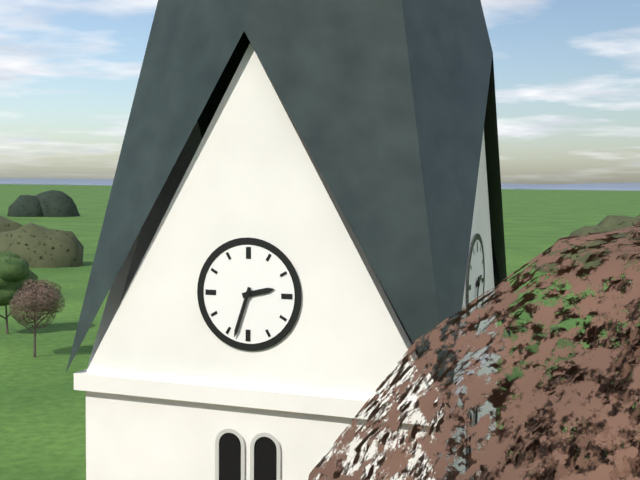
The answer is 2h33
